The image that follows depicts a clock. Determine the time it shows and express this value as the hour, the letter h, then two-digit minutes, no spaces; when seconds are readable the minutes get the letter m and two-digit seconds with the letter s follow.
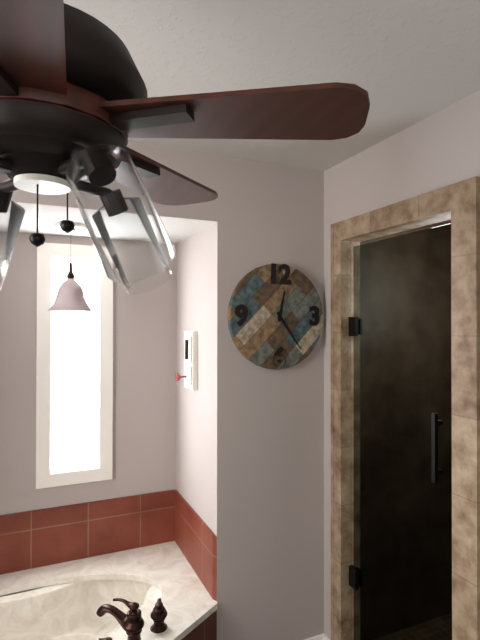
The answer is 12h24
